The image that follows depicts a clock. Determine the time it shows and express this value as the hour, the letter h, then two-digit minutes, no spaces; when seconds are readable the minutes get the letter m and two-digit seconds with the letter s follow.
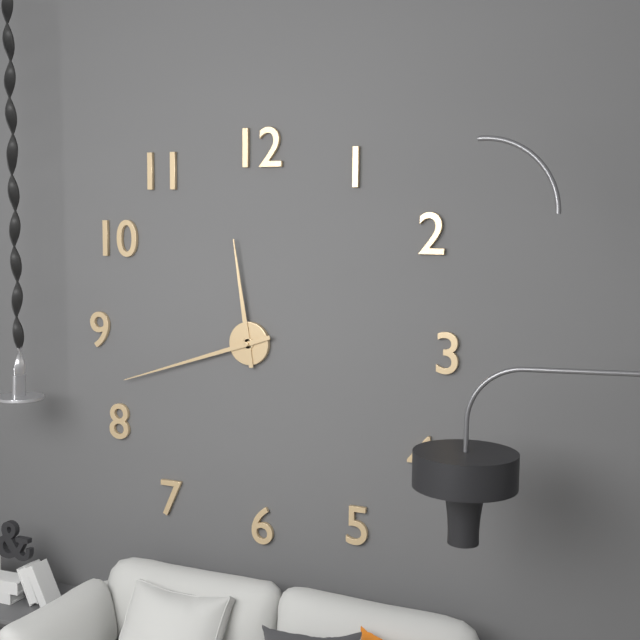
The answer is 11h42
